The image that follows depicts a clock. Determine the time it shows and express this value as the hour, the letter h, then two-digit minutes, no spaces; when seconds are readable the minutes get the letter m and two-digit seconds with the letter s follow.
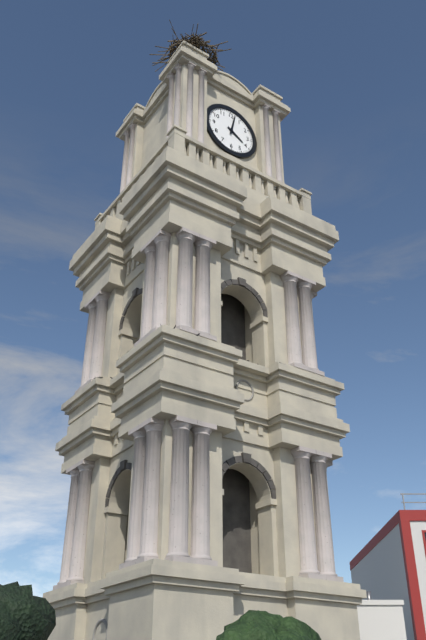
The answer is 4h02
